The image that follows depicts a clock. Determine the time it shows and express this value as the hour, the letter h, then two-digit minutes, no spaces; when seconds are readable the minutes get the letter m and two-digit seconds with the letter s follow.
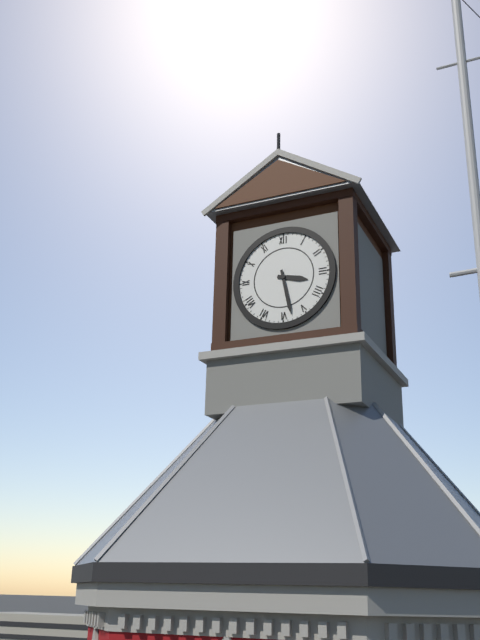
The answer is 3h28
